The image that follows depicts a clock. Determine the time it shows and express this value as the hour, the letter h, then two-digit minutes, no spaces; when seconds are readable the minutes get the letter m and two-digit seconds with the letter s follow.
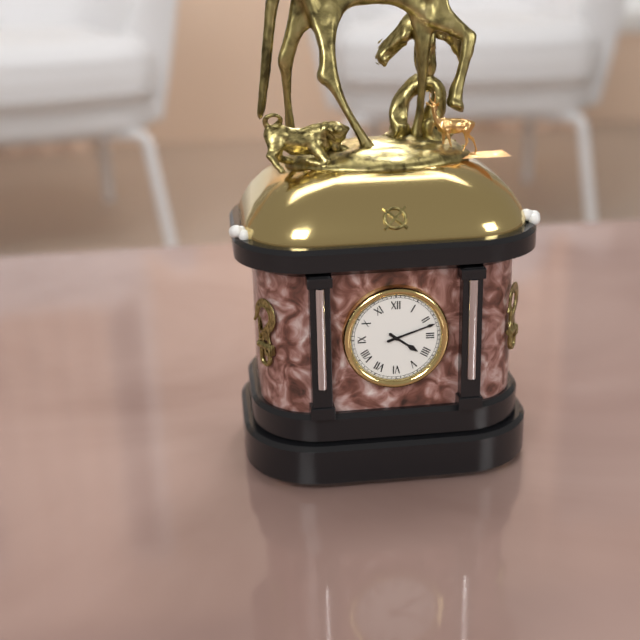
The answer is 4h12
